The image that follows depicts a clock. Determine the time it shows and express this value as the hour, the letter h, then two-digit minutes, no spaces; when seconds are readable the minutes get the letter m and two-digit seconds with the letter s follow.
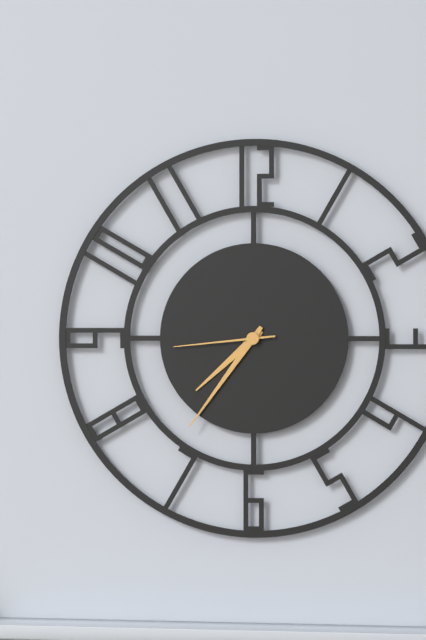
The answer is 7h36m44s
